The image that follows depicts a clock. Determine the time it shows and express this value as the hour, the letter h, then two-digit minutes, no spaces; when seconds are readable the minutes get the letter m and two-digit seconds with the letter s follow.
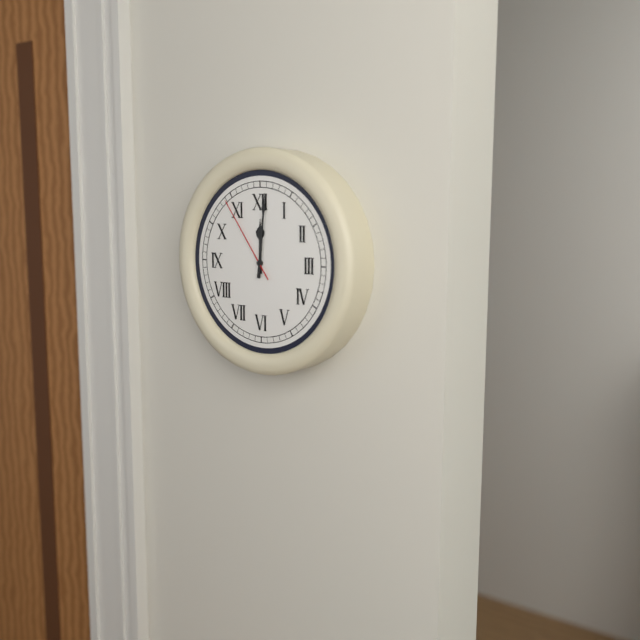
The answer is 12h01m54s
